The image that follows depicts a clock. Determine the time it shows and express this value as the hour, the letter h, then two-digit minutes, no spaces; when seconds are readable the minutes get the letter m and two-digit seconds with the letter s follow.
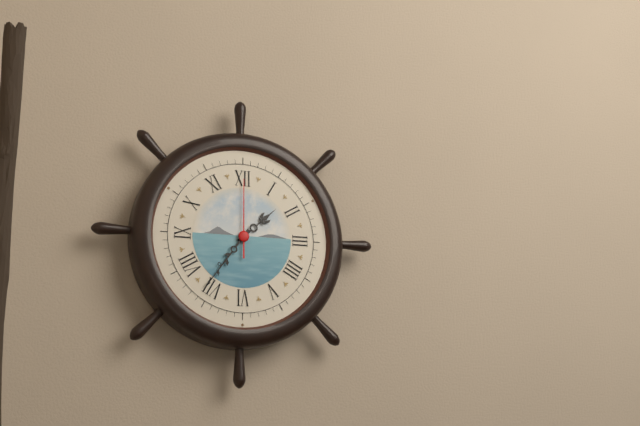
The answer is 1h36m00s
